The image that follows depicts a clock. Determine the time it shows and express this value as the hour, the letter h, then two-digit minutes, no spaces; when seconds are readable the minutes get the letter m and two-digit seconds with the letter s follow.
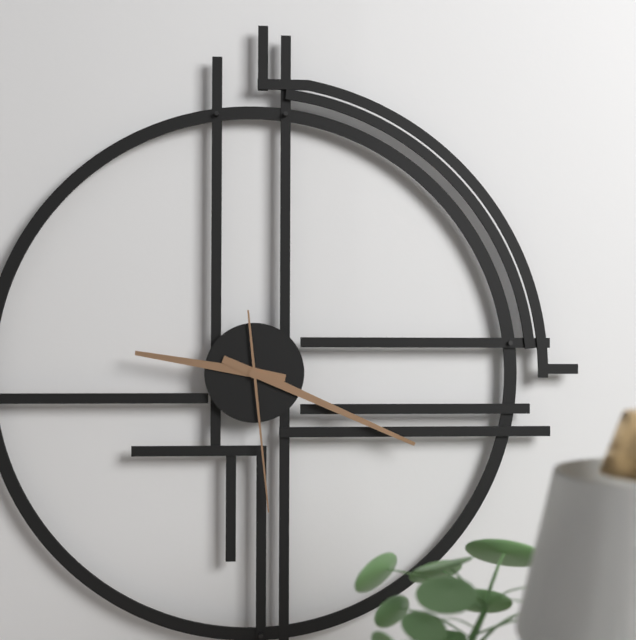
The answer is 9h19m29s
